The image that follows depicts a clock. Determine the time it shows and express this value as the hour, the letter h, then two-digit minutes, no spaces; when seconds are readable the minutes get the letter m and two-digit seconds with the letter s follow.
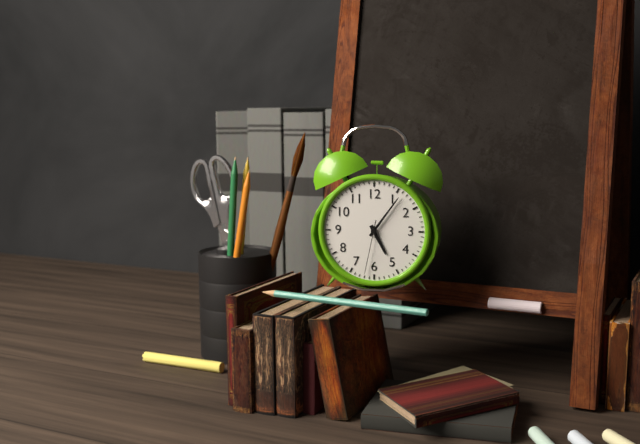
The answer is 5h06m32s
